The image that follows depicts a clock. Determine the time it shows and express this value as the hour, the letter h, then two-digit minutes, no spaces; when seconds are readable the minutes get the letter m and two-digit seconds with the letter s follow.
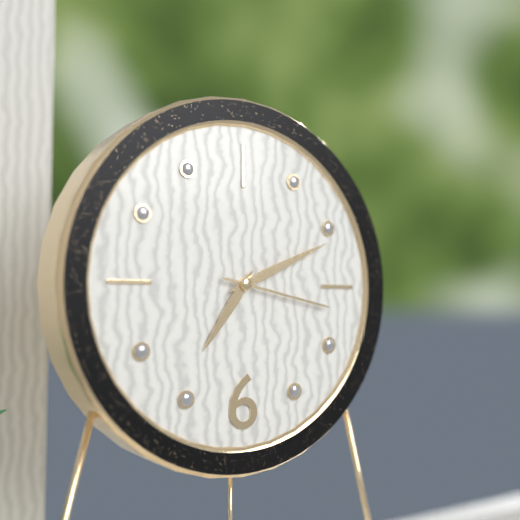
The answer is 7h11m17s
